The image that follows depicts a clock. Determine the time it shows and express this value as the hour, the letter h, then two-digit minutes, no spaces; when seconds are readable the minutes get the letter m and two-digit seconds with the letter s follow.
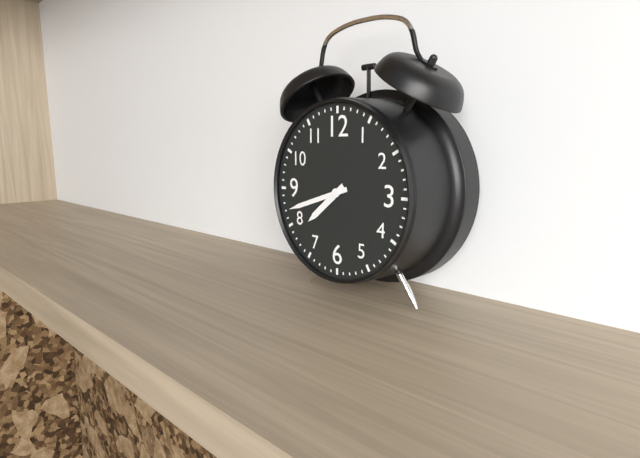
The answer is 7h42
